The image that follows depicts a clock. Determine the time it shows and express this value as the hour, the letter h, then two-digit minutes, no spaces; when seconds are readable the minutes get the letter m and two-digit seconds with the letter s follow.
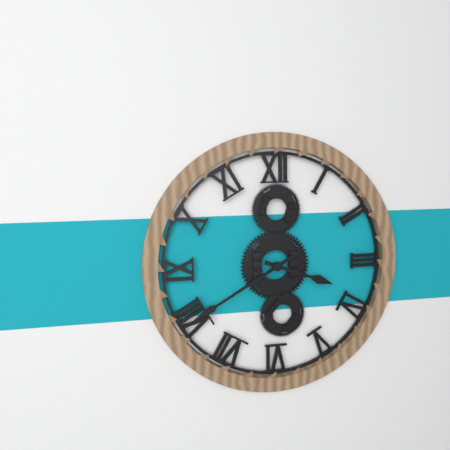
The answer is 3h40
